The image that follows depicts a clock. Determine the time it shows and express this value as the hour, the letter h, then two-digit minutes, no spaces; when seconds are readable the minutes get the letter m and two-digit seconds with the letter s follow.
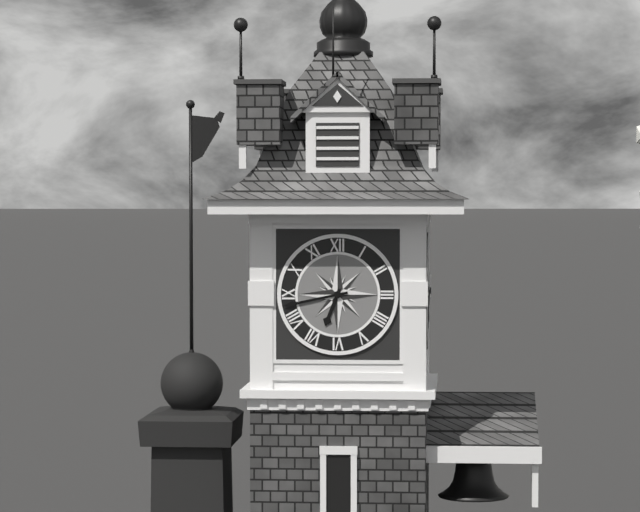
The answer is 6h43
